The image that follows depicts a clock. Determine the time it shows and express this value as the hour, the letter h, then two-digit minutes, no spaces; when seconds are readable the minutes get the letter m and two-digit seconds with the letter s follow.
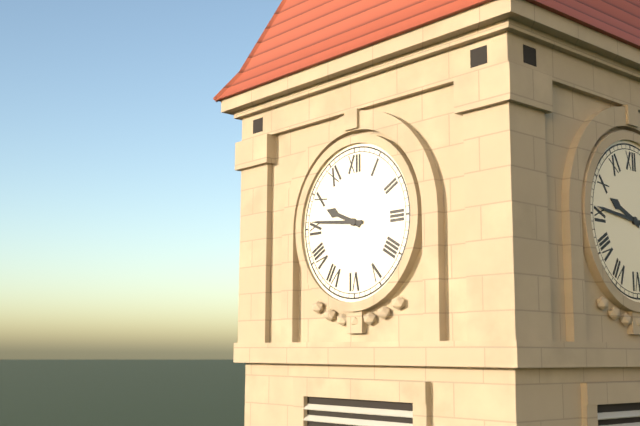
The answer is 9h46
